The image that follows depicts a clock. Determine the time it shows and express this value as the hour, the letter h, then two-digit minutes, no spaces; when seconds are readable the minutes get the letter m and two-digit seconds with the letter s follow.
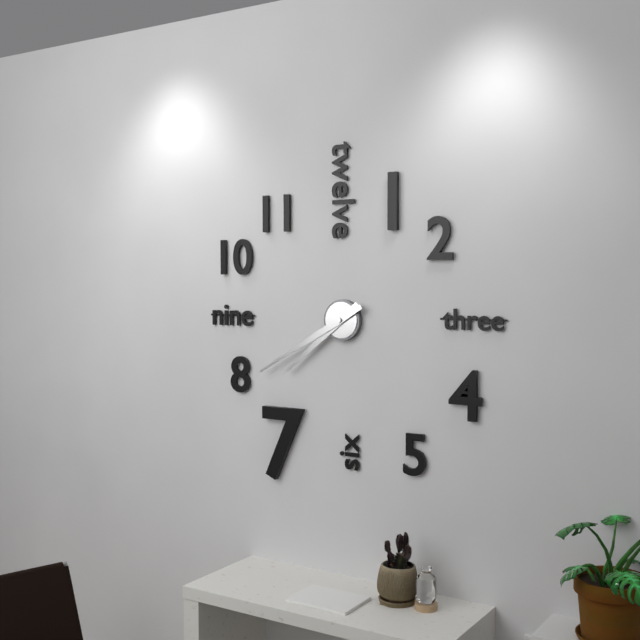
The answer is 7h40
